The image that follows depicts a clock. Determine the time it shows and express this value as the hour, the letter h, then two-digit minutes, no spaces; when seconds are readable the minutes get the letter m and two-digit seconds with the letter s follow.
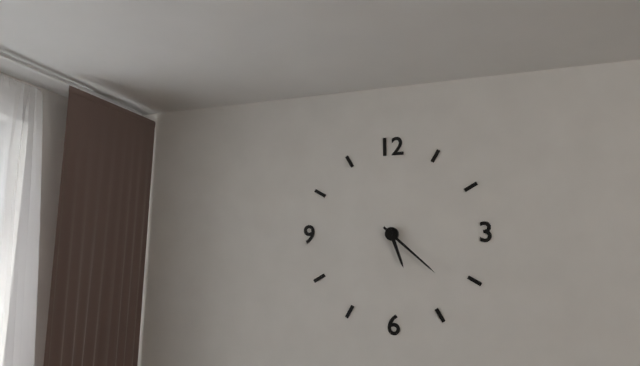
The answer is 5h22
